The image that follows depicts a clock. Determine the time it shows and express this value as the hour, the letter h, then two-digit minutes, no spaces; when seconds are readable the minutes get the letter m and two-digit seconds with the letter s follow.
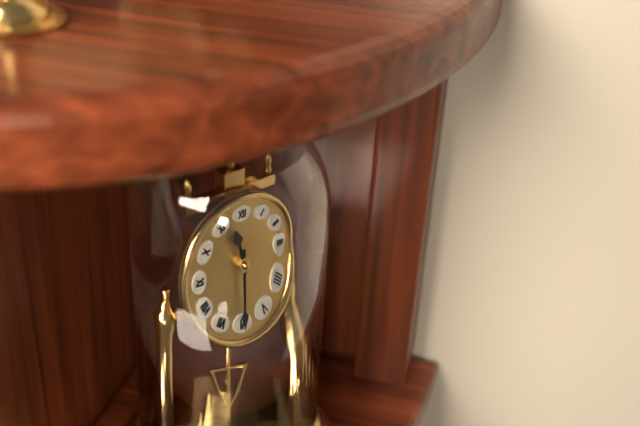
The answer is 11h30
